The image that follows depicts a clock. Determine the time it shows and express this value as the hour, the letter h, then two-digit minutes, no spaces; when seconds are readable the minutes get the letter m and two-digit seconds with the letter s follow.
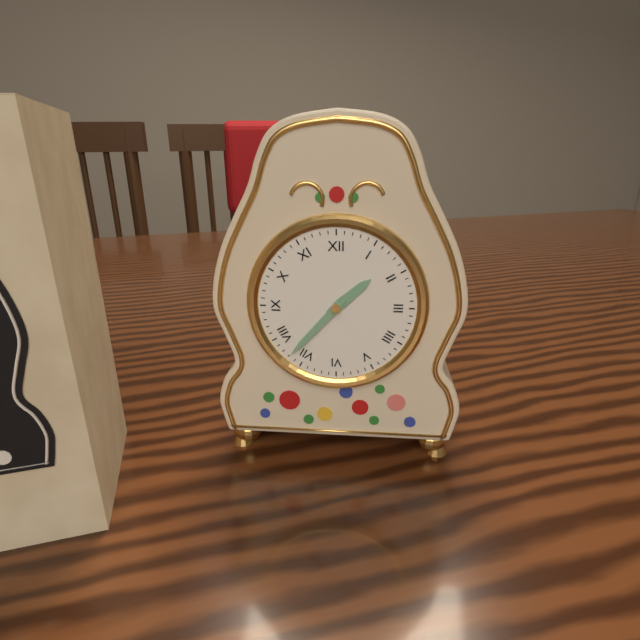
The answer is 1h37
